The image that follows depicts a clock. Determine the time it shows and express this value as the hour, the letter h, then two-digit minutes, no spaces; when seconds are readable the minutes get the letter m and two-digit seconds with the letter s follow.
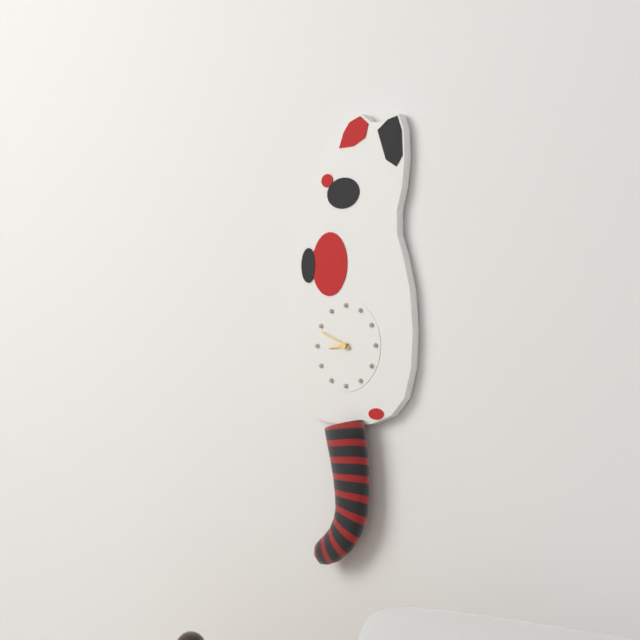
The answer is 8h49
